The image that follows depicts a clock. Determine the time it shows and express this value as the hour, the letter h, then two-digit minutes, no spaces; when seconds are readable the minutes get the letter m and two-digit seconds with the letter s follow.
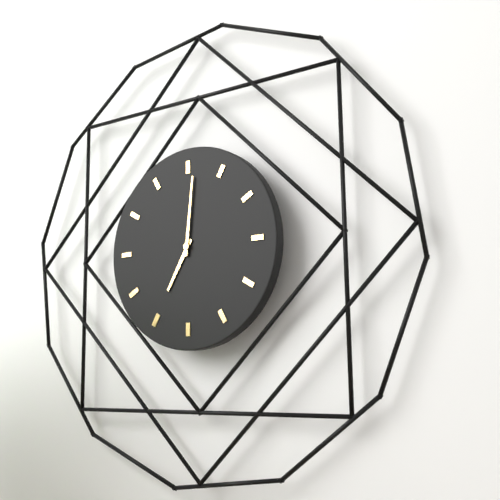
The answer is 7h01
